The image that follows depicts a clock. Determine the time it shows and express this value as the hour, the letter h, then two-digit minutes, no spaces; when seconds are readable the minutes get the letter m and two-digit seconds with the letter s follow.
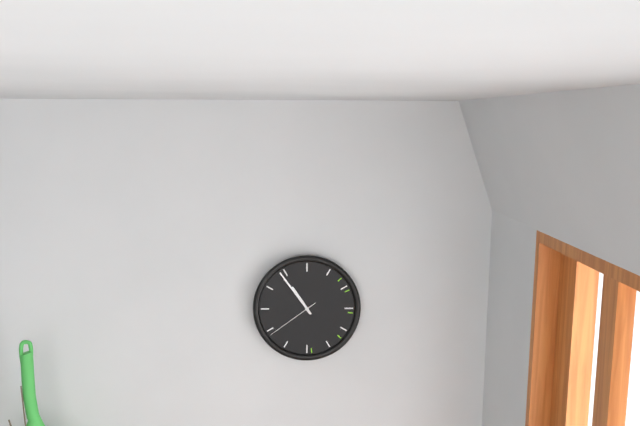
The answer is 10h54m39s
